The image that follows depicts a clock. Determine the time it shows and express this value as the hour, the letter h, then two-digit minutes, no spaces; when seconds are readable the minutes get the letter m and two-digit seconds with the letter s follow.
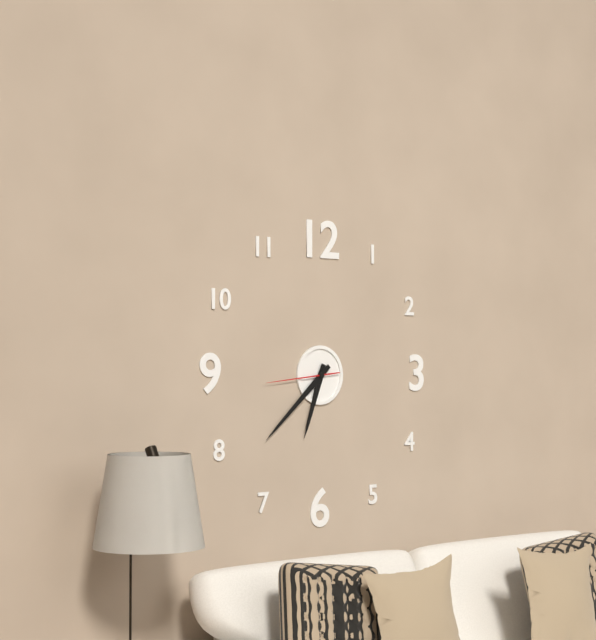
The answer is 6h38m44s
